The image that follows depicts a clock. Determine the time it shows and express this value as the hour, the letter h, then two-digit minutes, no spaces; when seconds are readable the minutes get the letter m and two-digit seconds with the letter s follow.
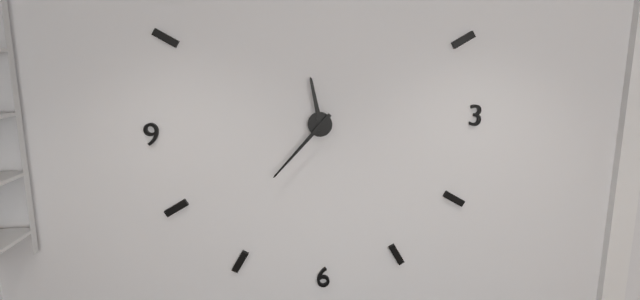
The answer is 11h37
